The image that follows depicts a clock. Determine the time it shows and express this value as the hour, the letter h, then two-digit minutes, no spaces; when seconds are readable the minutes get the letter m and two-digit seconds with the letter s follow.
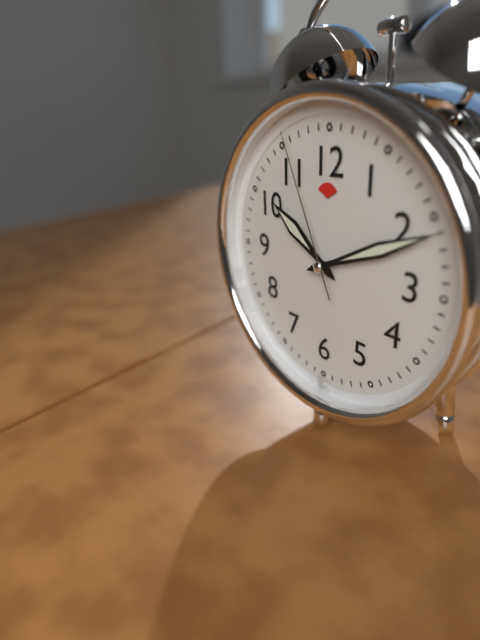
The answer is 10h11m56s
